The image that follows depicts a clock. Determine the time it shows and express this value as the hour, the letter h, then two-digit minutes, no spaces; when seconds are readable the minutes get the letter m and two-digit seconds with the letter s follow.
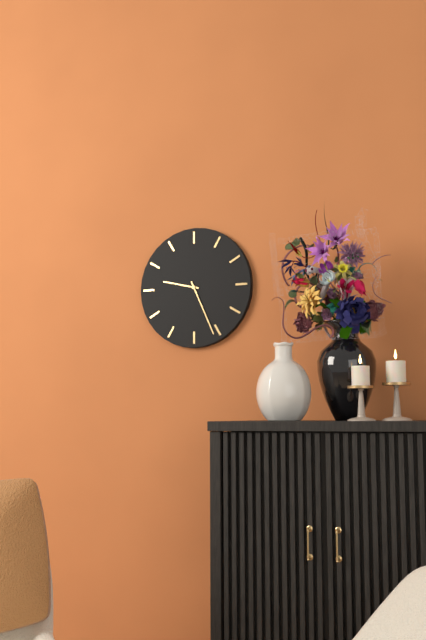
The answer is 9h26
